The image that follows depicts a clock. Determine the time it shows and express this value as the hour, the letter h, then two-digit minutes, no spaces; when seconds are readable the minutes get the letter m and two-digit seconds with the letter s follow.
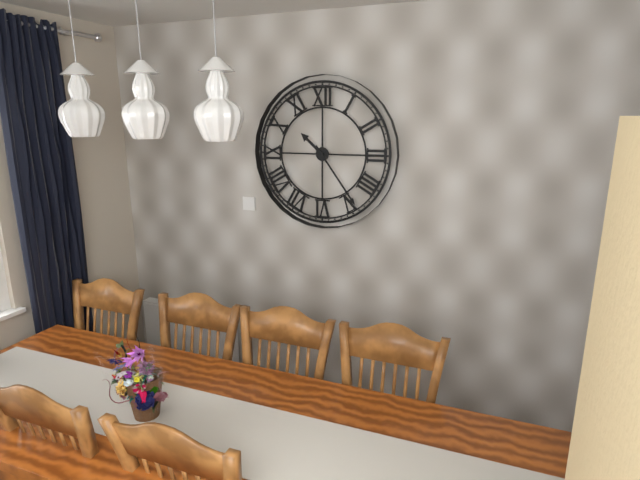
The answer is 10h24
